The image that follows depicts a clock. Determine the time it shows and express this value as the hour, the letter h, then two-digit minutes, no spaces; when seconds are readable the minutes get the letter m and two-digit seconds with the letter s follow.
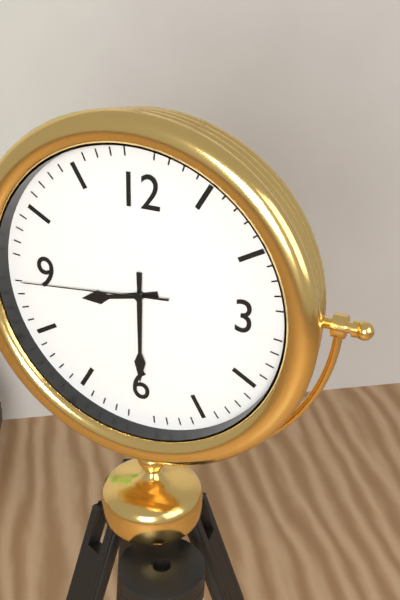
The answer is 8h30m44s
